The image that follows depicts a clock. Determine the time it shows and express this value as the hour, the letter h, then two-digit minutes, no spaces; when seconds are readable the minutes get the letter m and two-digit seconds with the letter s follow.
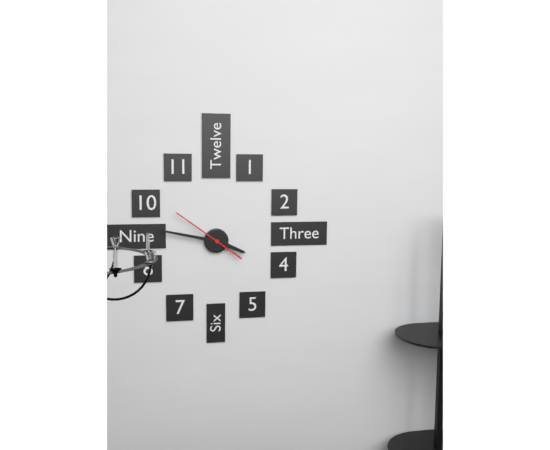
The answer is 3h47m51s
